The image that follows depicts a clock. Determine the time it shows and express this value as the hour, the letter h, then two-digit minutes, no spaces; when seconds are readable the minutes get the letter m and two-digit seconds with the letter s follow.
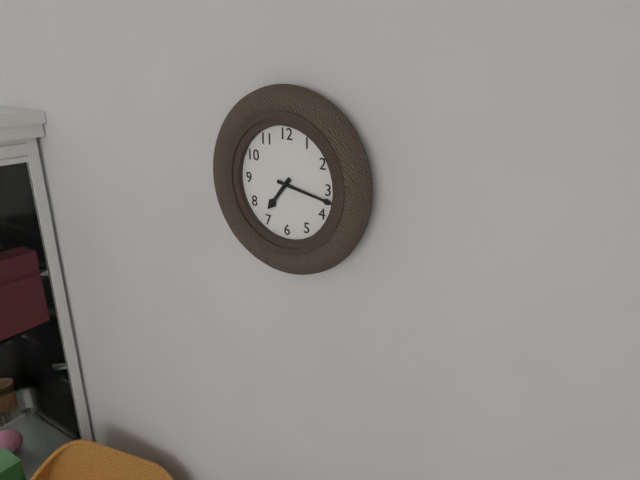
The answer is 7h17
